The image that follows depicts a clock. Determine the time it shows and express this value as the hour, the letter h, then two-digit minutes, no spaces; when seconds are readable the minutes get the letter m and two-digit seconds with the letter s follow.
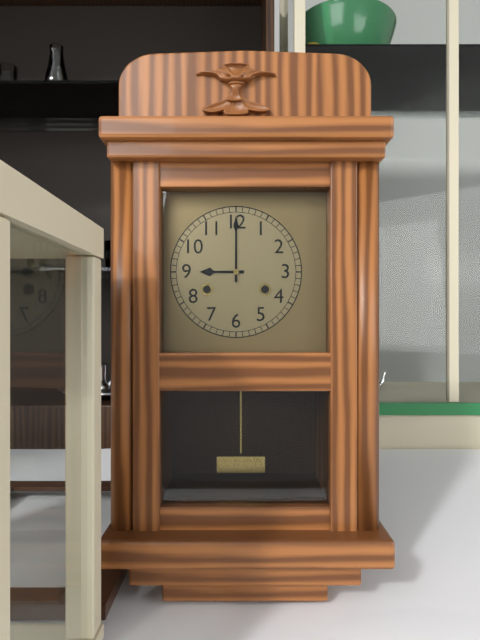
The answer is 9h00
